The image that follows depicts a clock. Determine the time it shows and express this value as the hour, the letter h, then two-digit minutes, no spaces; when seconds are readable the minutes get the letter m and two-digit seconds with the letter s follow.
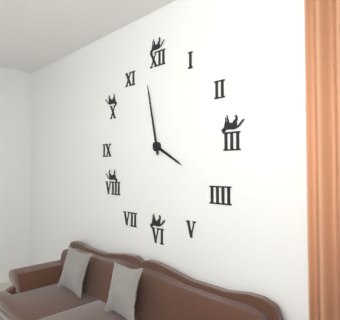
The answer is 3h58
